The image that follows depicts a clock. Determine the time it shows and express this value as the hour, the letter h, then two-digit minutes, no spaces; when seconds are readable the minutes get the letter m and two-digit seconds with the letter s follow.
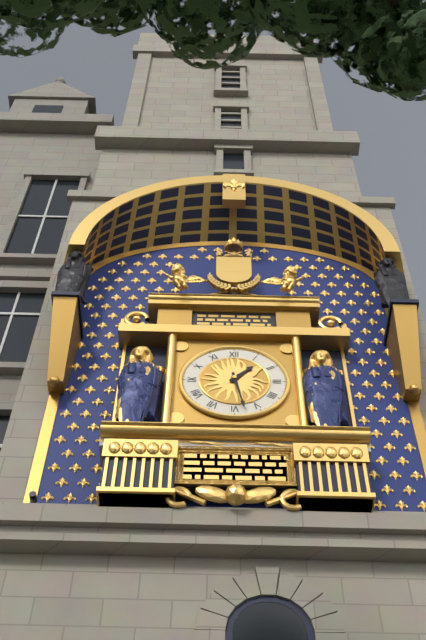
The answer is 1h28
